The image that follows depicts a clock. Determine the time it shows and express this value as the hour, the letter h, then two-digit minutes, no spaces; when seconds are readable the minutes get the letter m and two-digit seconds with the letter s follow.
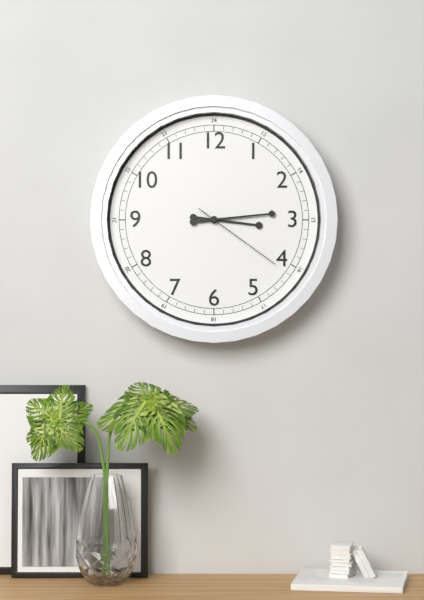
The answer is 3h14m21s
